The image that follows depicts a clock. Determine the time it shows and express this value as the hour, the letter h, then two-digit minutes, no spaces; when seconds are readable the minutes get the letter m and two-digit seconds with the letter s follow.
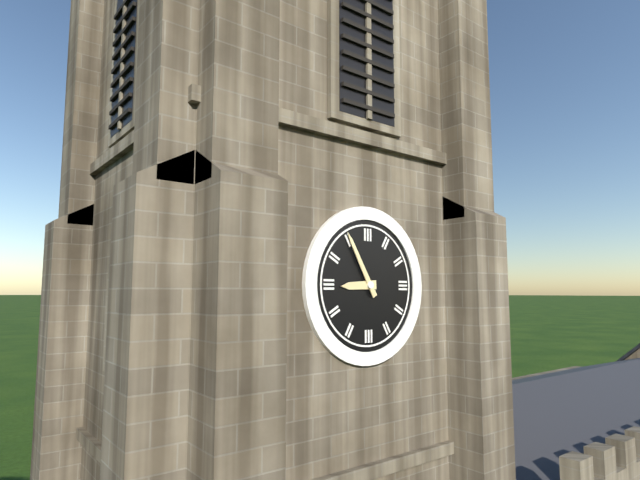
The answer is 8h55
